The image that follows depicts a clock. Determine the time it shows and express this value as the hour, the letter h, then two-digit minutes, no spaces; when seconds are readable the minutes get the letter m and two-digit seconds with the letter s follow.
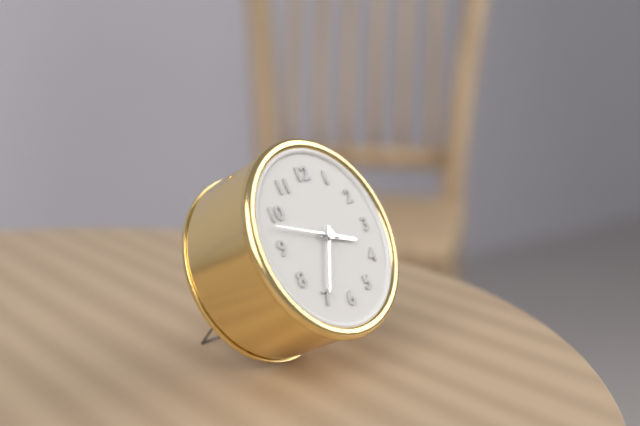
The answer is 3h35m48s
